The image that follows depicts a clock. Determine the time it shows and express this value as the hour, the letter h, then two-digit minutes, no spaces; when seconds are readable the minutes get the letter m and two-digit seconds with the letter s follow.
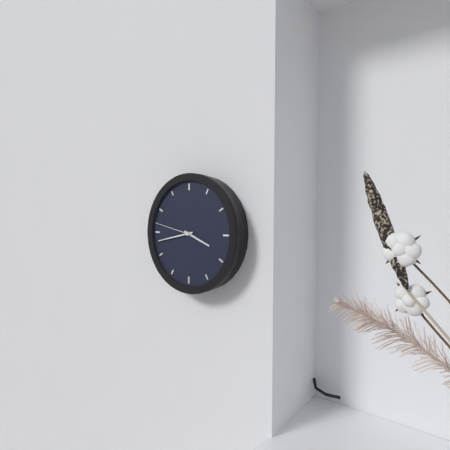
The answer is 3h43
